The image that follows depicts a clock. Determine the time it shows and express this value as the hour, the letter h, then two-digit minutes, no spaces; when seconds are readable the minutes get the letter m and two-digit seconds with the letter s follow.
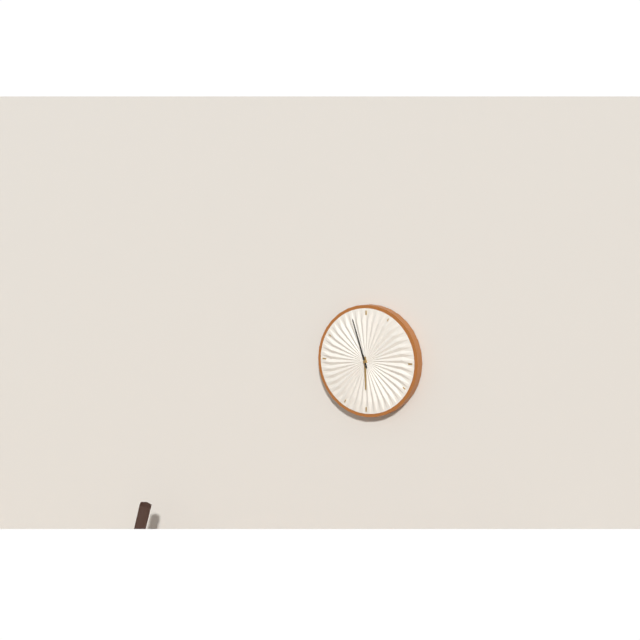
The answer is 5h57
